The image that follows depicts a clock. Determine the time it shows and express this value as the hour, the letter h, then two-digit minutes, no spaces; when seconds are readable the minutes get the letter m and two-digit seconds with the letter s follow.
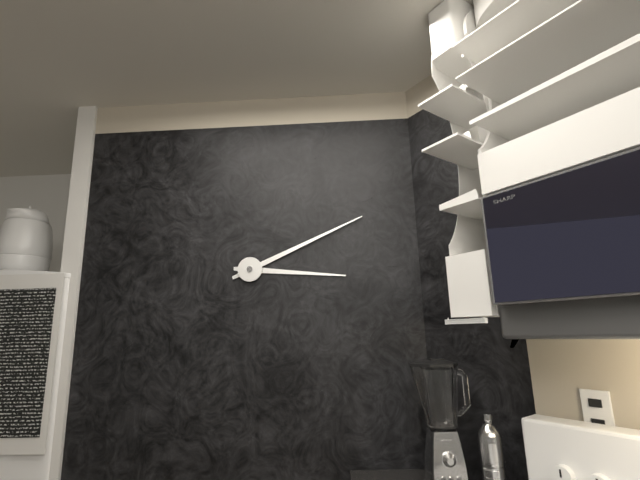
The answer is 3h11
